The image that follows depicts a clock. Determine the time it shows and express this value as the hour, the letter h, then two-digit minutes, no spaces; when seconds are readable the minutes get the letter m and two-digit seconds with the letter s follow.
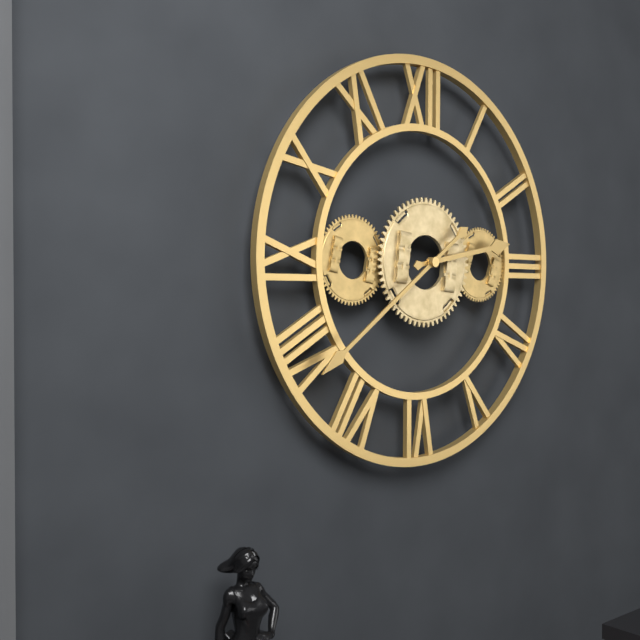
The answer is 2h39
